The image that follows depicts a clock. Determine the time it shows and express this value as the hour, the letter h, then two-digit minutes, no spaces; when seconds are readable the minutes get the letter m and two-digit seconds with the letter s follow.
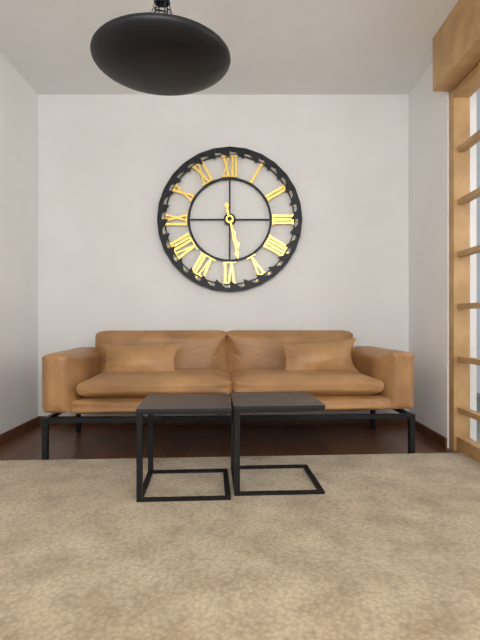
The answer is 5h28
